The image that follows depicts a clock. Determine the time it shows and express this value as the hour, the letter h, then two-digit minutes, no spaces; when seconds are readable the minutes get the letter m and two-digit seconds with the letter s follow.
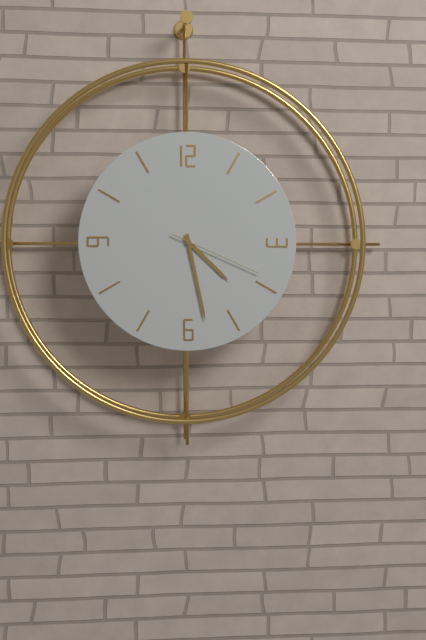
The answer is 4h28m19s
